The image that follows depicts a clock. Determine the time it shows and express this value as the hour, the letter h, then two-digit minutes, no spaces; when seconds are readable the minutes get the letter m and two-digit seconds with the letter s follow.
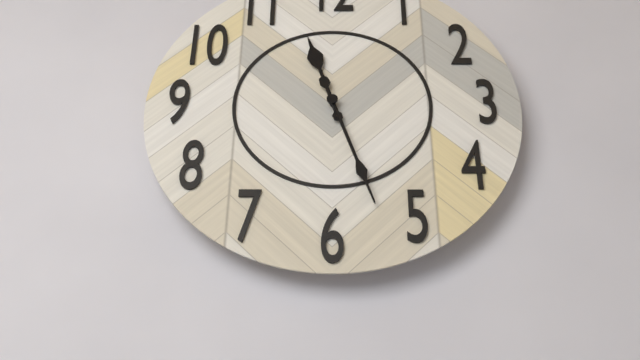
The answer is 11h27
